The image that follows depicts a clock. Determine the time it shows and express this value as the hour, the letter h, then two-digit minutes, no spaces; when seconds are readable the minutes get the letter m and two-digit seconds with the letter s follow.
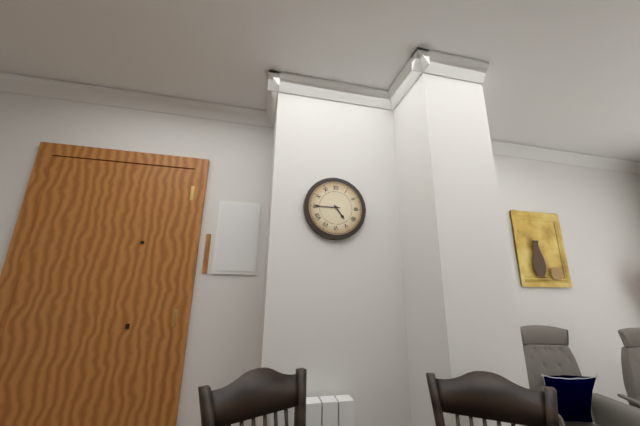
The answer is 4h45
